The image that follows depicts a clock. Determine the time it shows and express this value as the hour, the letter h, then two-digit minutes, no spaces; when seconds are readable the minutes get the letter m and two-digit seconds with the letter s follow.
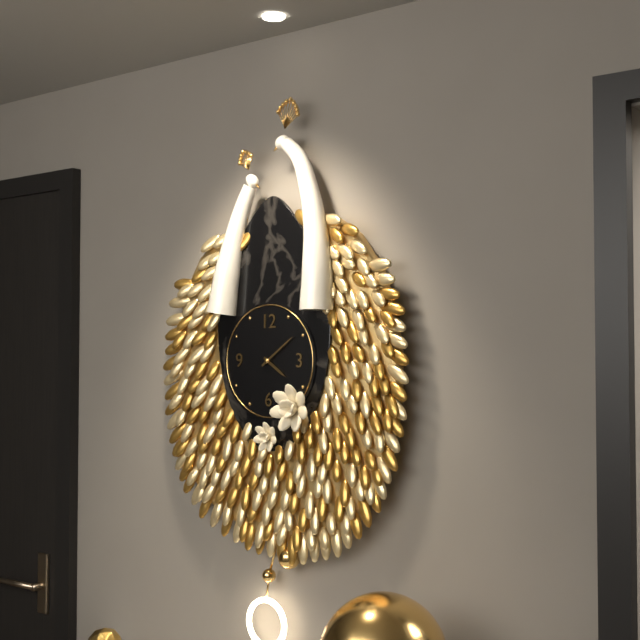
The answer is 4h09
